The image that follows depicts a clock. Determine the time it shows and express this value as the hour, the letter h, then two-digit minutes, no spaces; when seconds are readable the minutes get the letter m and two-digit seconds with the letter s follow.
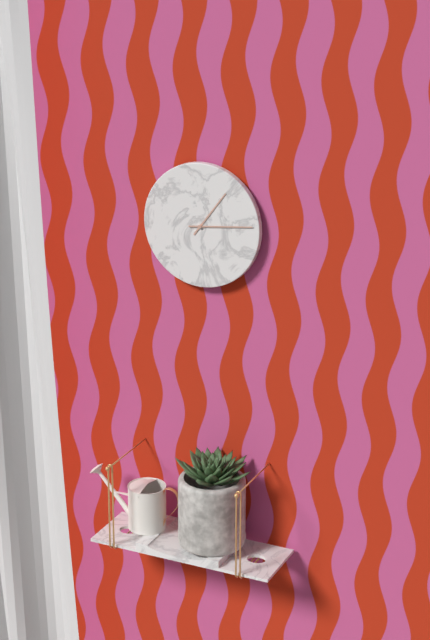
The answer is 1h14
